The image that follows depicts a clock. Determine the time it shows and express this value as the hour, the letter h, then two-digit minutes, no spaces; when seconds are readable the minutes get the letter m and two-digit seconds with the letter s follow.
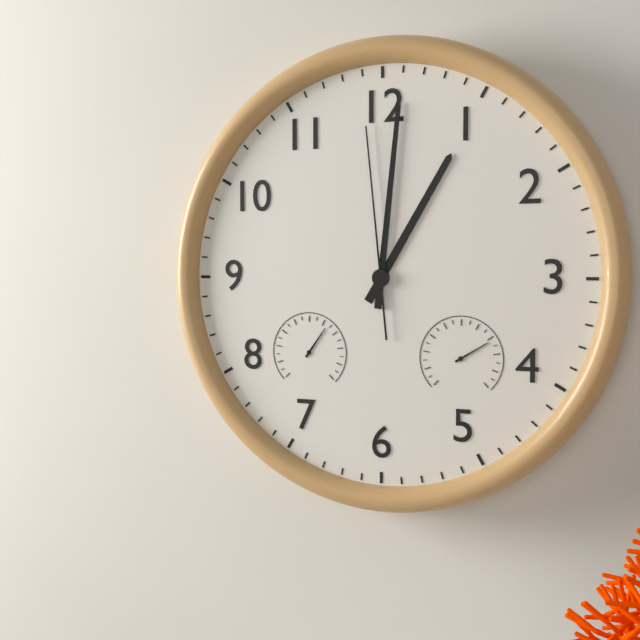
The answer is 1h01m59s
